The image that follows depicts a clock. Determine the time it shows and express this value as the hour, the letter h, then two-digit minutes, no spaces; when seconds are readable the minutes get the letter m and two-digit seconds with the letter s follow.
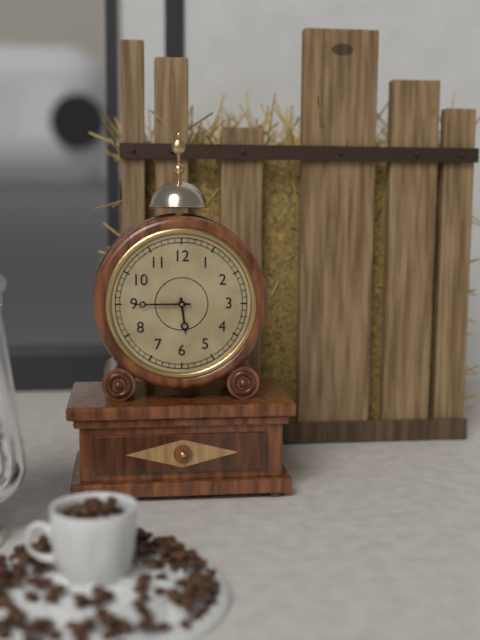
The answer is 5h45
